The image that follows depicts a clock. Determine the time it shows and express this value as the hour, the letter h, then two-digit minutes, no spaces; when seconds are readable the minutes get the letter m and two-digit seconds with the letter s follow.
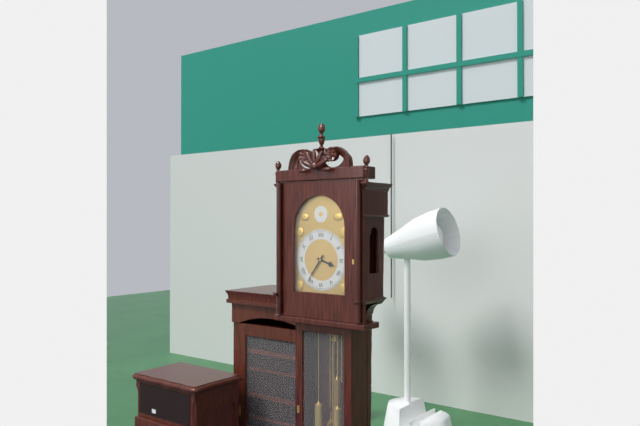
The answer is 3h36
